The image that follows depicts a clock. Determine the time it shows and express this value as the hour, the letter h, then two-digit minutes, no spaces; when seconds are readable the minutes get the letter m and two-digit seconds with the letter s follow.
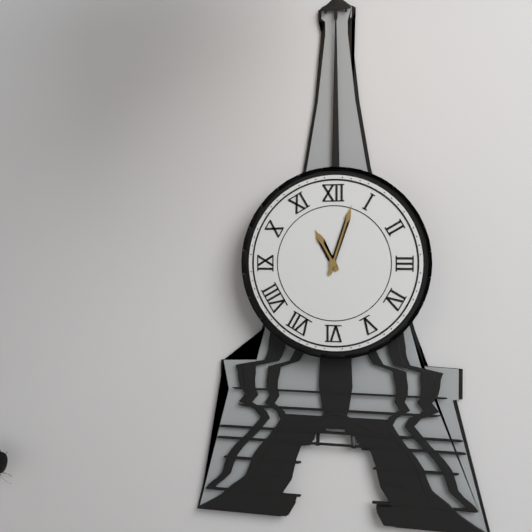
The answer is 11h03
